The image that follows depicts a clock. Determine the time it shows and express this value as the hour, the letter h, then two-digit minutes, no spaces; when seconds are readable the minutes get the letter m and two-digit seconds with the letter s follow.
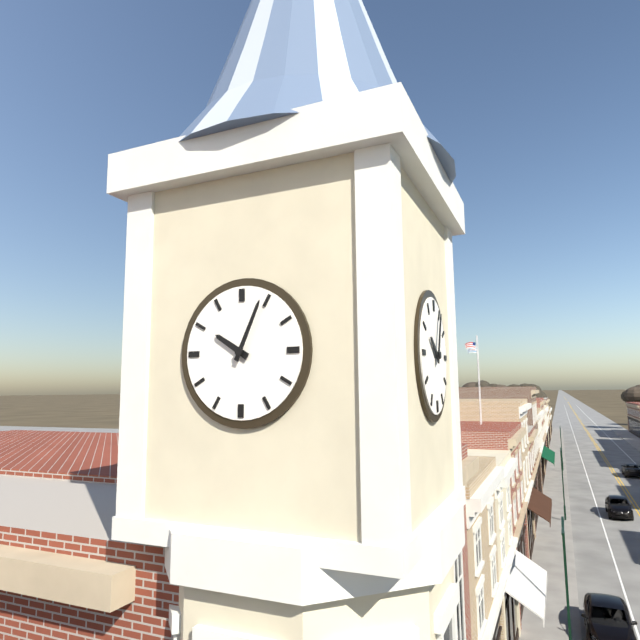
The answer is 10h04
